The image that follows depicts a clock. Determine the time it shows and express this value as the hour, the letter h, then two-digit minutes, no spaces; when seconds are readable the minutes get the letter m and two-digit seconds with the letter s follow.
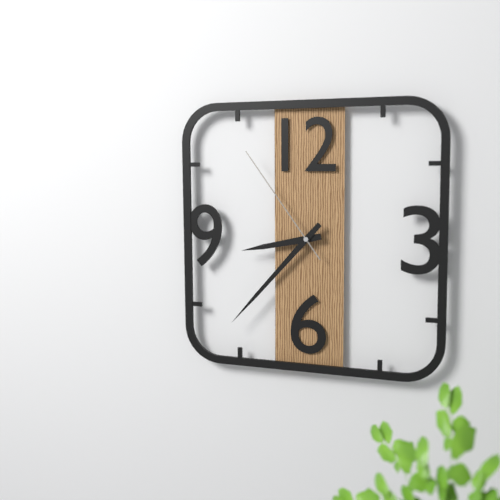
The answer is 8h37m54s
